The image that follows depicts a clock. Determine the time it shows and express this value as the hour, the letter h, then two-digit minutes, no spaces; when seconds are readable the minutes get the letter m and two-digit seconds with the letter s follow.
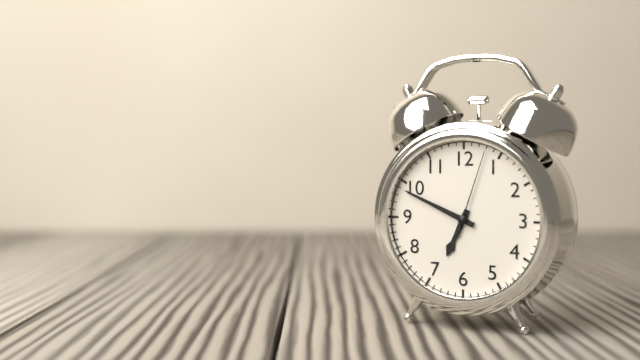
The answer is 6h49m03s
